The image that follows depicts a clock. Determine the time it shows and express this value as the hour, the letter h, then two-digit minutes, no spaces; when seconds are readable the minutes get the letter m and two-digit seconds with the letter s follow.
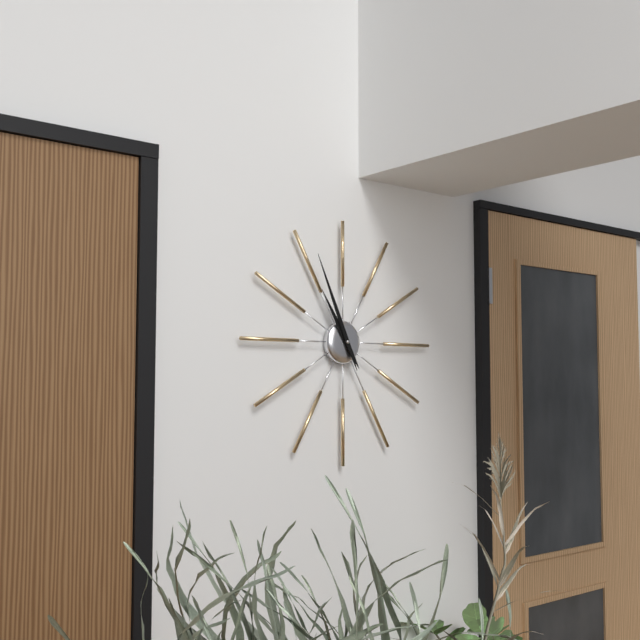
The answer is 10h56
